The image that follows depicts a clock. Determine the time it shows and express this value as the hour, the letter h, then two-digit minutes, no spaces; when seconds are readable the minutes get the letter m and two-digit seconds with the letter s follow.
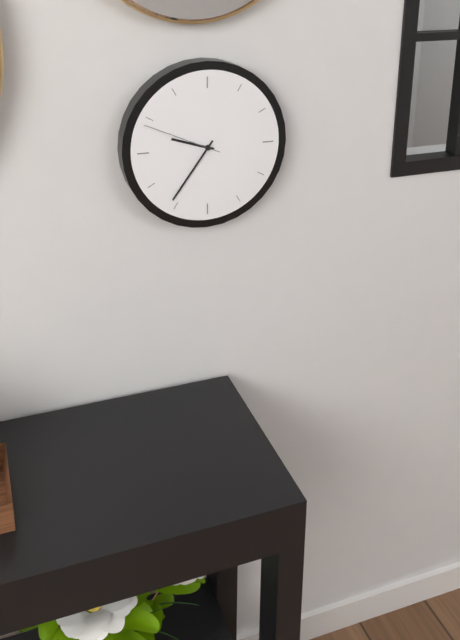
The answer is 9h36m49s
